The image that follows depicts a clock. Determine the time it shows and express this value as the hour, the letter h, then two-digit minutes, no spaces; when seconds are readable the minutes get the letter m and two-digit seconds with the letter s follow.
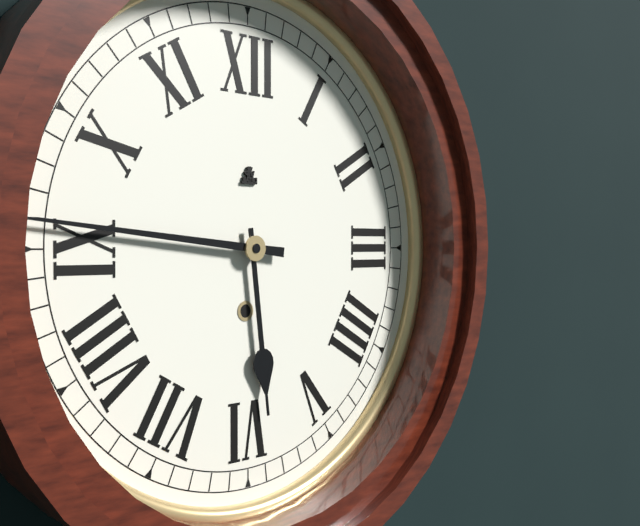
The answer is 5h46
